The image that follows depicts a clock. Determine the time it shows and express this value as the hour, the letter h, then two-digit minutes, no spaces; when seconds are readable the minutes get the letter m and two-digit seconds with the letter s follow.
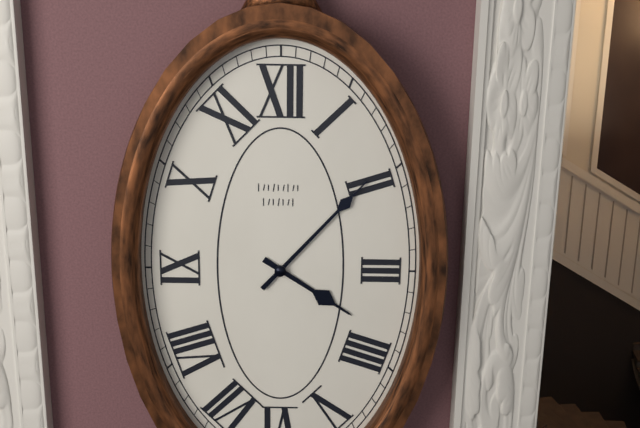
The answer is 4h07
